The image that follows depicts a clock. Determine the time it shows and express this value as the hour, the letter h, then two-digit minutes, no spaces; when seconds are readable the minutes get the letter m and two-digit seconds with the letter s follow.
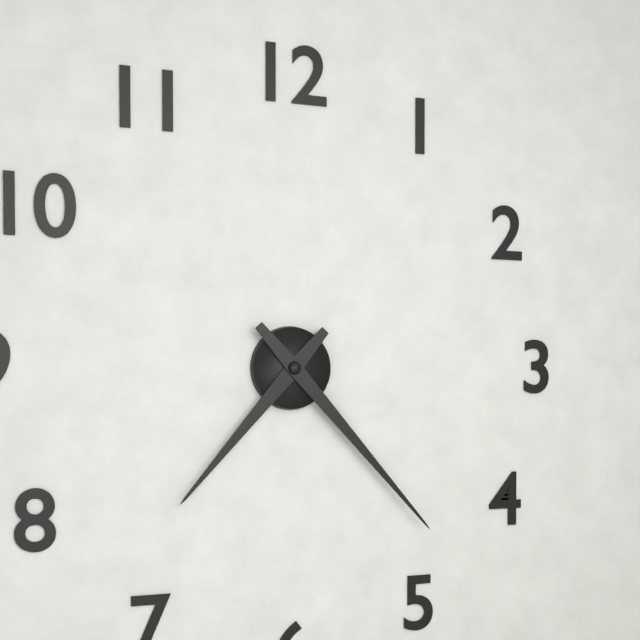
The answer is 7h23
